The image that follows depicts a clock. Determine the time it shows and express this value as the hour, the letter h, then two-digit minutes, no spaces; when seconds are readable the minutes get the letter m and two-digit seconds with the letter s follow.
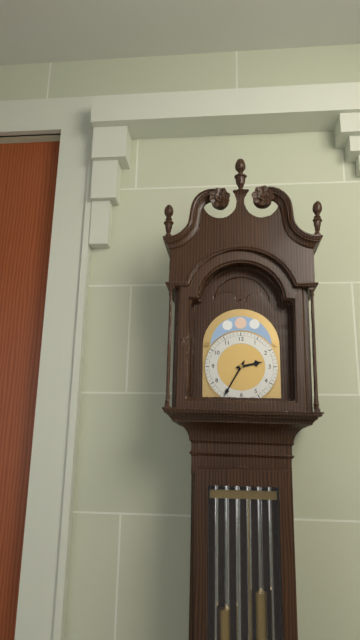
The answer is 2h35
